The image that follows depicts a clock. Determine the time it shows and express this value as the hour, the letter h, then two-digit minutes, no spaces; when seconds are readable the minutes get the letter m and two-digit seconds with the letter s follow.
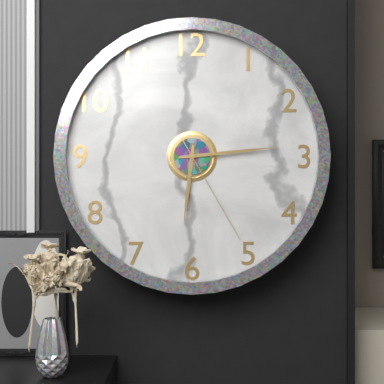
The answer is 6h14m25s
